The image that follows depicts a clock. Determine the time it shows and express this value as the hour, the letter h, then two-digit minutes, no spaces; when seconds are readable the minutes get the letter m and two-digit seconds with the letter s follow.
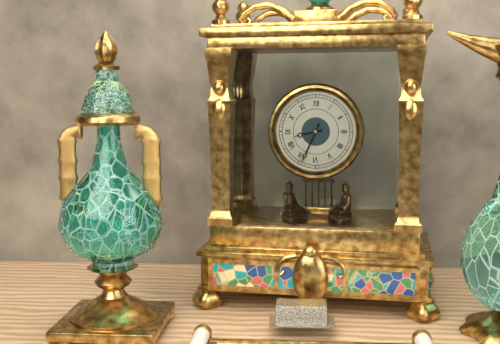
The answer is 8h34
